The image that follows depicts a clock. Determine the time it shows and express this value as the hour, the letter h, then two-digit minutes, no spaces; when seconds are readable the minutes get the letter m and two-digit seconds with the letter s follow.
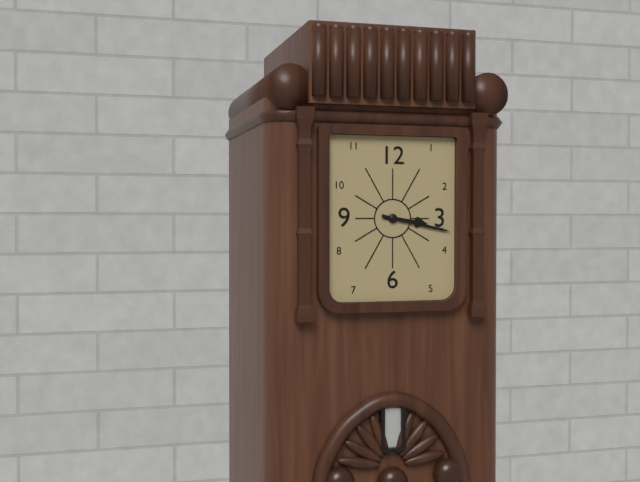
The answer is 3h17
